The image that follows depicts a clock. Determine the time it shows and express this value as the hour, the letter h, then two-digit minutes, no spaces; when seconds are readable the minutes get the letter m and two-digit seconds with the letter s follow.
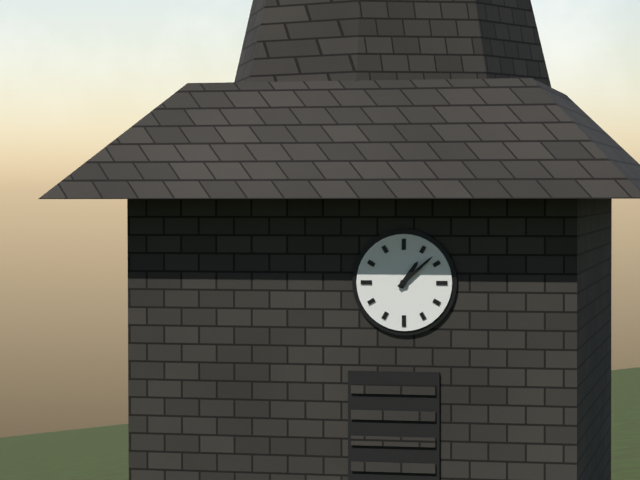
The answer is 1h08
